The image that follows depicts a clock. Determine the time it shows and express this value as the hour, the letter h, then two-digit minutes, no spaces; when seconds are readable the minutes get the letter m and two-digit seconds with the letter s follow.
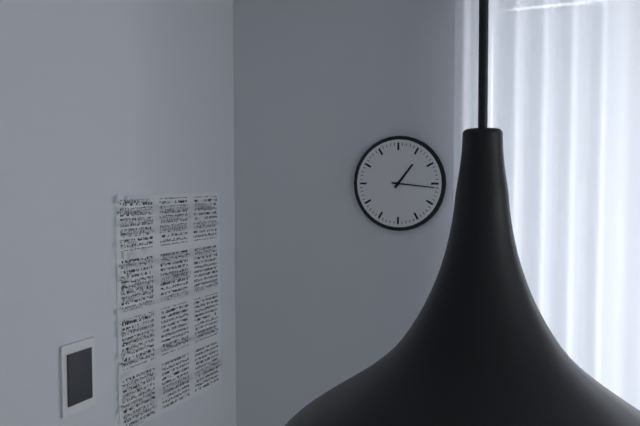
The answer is 1h16
